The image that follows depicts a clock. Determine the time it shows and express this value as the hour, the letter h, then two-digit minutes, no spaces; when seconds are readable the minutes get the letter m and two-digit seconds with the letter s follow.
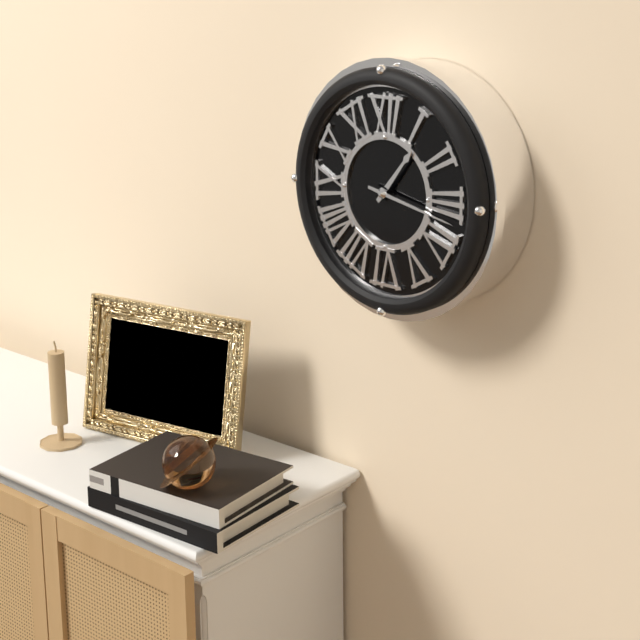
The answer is 1h17
